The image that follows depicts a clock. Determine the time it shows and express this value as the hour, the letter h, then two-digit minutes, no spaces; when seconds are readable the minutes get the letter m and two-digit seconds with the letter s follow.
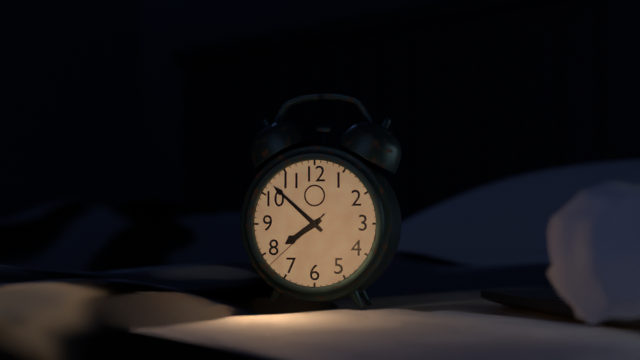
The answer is 7h52m38s
